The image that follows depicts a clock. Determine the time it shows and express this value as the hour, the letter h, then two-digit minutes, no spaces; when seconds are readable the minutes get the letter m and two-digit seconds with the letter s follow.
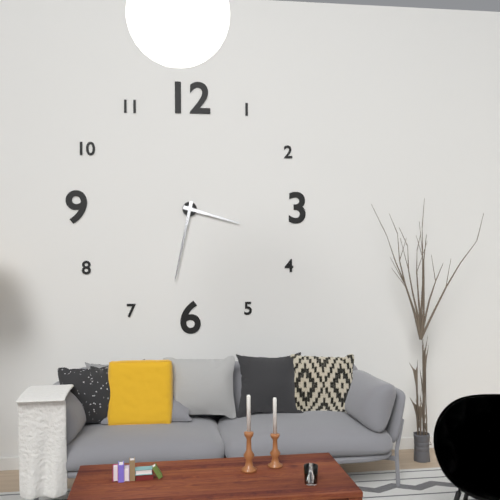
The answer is 3h32
